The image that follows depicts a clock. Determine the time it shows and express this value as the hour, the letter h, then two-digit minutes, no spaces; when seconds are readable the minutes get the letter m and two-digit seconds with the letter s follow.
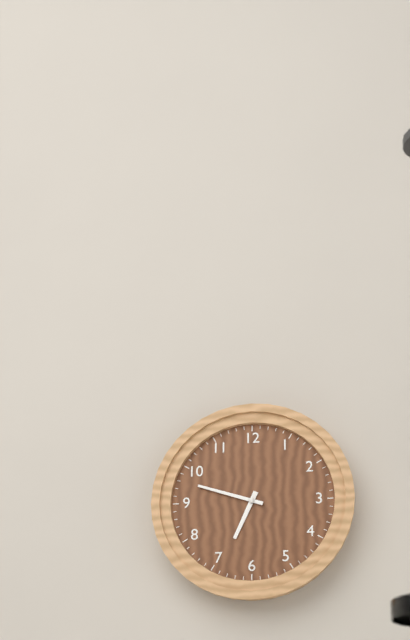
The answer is 6h48
